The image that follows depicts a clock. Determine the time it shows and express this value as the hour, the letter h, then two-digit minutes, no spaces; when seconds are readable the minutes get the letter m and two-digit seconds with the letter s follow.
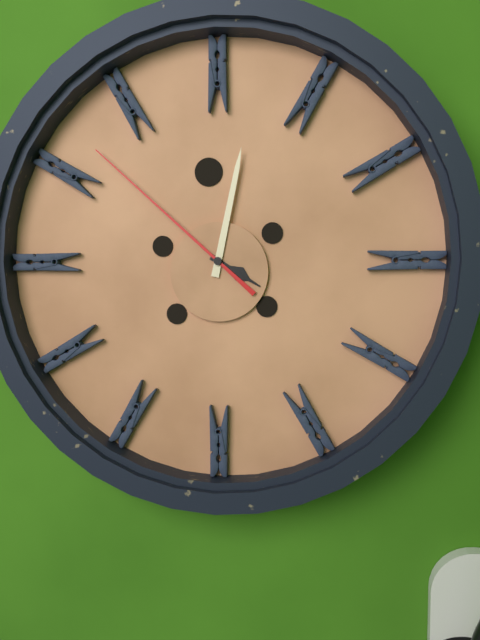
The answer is 4h02m52s
